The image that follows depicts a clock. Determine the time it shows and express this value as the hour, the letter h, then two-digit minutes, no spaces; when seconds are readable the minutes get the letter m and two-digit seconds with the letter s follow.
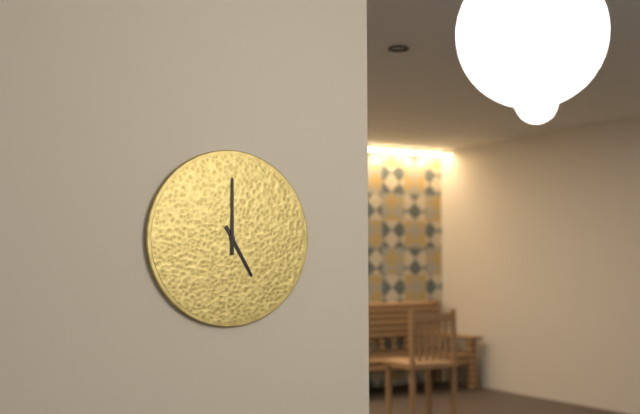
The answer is 5h00
